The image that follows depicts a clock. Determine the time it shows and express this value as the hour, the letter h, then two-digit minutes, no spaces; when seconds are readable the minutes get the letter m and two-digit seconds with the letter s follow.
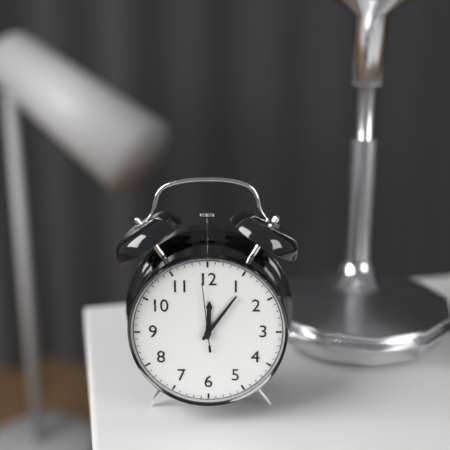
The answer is 12h06m59s
